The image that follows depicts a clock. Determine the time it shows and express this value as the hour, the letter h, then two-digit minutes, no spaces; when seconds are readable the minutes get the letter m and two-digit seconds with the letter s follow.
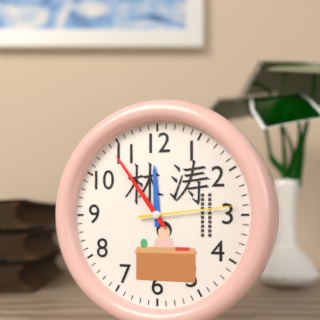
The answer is 11h54m14s
